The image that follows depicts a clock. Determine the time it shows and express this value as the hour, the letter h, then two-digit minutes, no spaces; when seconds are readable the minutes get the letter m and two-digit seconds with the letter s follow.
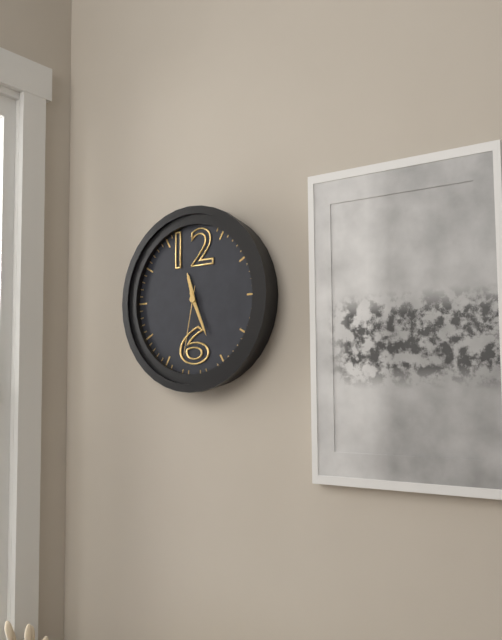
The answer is 11h26m32s
